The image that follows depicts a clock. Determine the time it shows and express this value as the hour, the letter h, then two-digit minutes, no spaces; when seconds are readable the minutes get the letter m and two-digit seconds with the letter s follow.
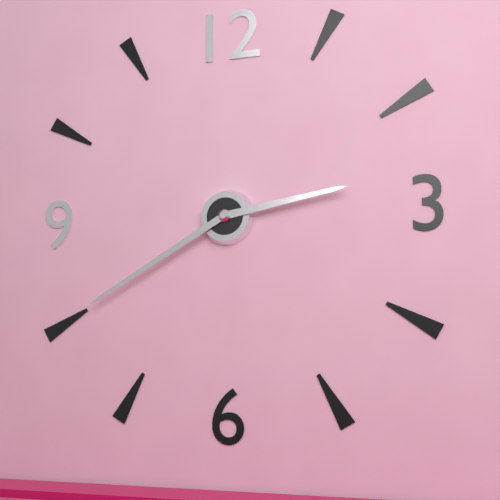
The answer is 2h40
